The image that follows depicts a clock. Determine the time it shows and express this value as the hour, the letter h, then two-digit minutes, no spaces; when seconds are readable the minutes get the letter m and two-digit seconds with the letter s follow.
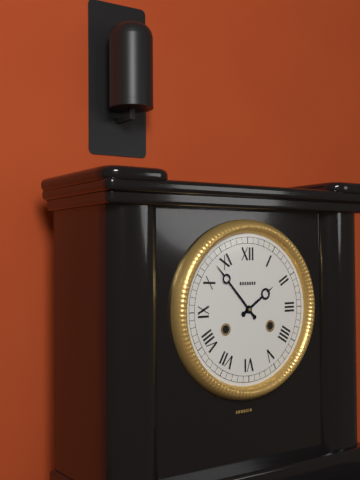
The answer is 1h53
